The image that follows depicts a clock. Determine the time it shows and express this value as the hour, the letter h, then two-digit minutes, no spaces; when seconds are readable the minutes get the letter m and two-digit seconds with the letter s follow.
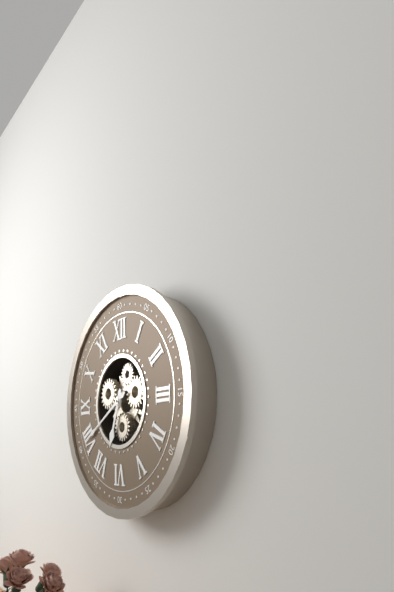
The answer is 6h40
